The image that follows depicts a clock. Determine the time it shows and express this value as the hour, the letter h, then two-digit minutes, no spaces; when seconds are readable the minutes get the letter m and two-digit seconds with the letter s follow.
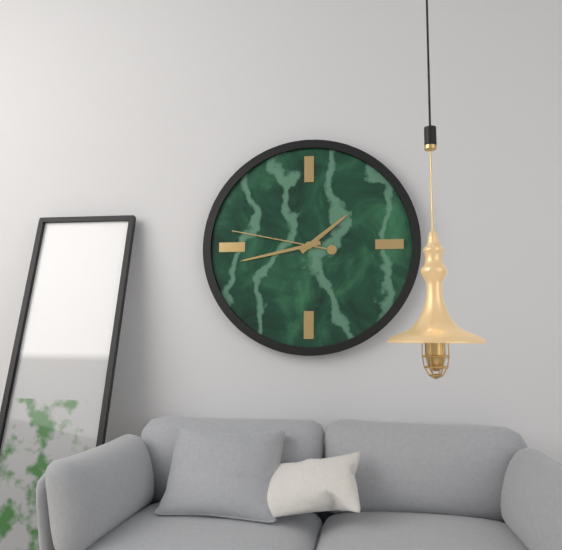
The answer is 1h43m47s
